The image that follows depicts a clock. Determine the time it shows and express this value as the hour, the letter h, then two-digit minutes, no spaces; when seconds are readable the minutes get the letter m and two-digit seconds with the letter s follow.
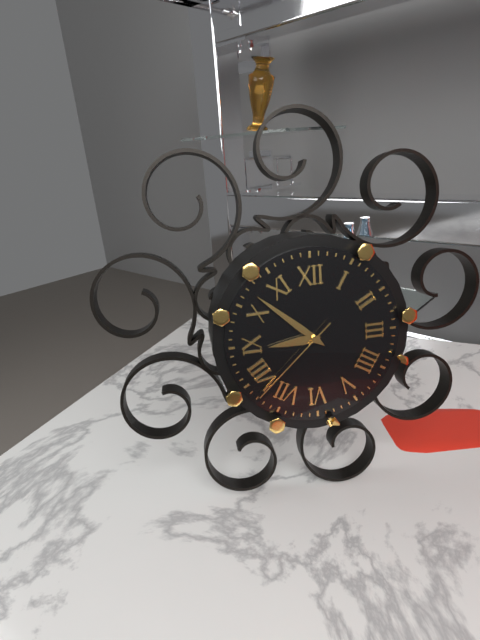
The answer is 8h52m38s
